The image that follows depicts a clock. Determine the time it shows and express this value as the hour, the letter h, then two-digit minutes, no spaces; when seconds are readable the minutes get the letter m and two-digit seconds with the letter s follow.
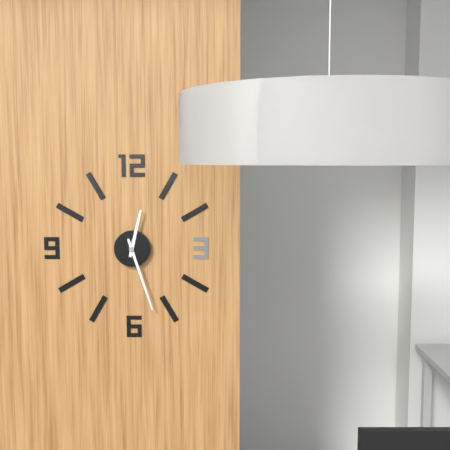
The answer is 12h27
